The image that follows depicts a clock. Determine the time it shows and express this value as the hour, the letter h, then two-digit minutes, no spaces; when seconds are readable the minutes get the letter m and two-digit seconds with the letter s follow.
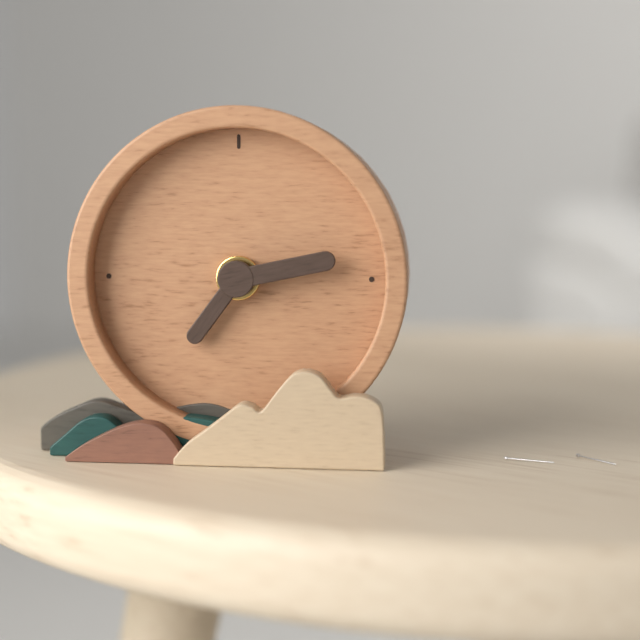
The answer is 7h13
